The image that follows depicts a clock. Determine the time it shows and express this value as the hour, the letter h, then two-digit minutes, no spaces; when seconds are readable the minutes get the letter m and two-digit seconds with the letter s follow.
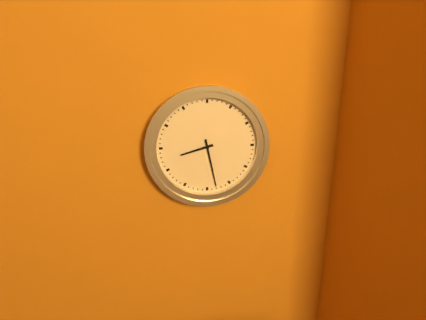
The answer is 8h28
